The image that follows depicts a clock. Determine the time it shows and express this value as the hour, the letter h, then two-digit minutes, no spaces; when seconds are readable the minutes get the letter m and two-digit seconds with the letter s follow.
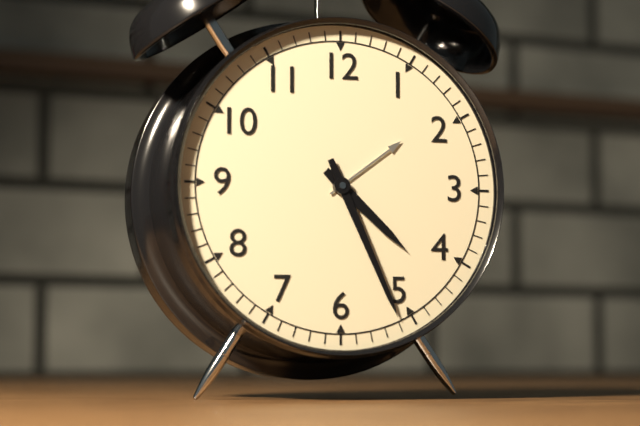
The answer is 4h26
